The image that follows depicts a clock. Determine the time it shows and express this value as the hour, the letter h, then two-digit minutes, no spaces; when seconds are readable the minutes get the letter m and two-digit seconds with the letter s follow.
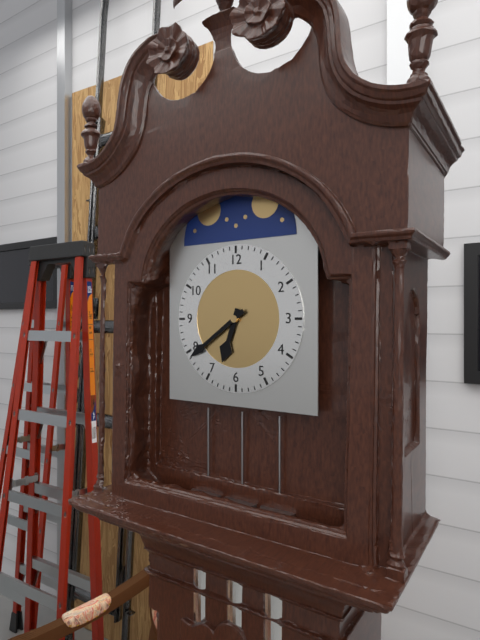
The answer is 6h39
